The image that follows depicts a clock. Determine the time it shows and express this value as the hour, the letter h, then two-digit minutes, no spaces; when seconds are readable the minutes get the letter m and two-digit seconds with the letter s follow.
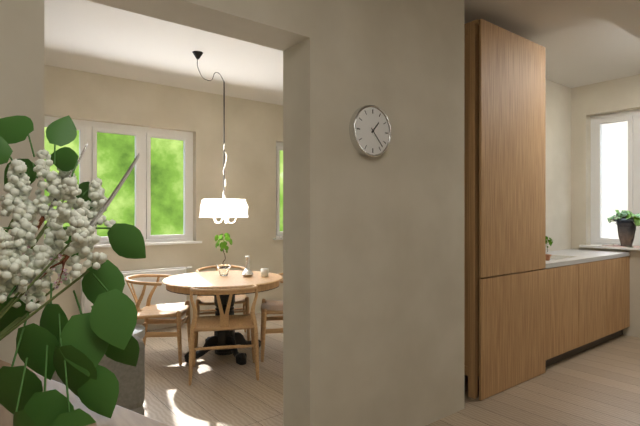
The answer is 1h23
